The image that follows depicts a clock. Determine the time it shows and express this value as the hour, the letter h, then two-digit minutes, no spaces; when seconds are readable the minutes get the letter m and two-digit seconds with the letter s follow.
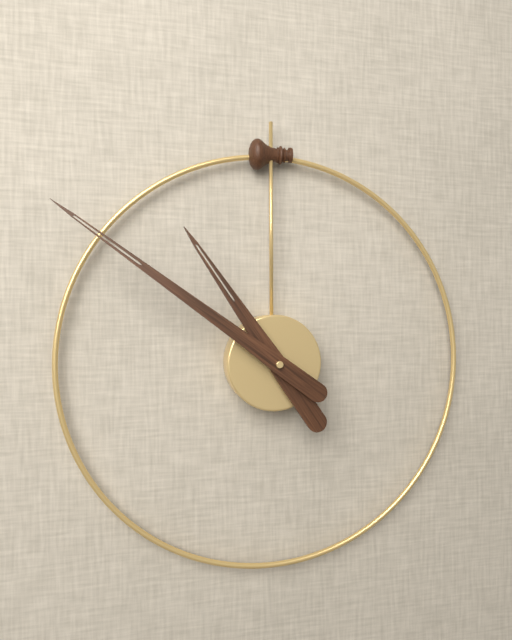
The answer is 10h51
